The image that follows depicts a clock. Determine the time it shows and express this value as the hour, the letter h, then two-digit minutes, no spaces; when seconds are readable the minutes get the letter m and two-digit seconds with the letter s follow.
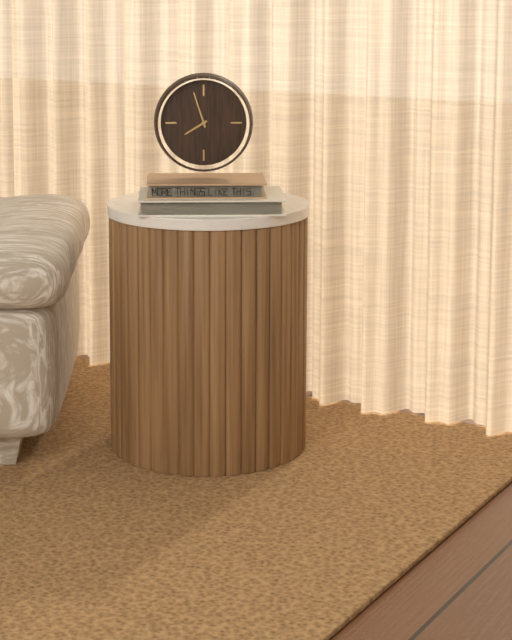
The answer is 7h57
